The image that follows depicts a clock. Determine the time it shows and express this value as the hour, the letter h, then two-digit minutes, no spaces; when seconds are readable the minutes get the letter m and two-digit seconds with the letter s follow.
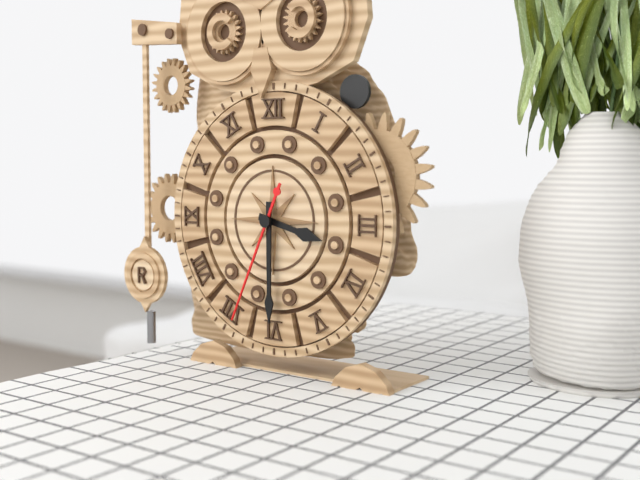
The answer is 3h30m34s
